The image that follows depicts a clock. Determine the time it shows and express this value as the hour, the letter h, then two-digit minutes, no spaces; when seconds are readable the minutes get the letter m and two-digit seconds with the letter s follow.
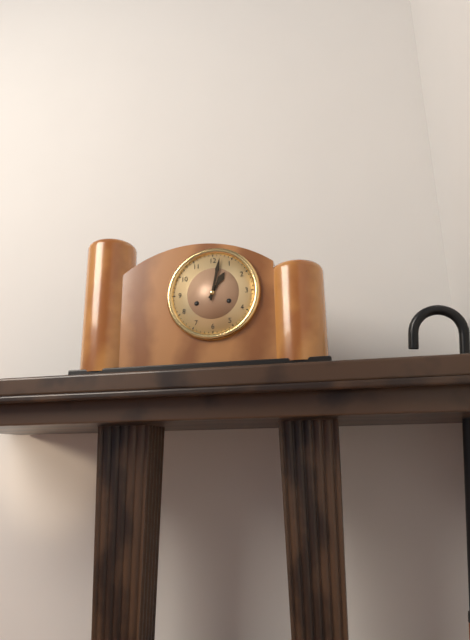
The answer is 1h02
